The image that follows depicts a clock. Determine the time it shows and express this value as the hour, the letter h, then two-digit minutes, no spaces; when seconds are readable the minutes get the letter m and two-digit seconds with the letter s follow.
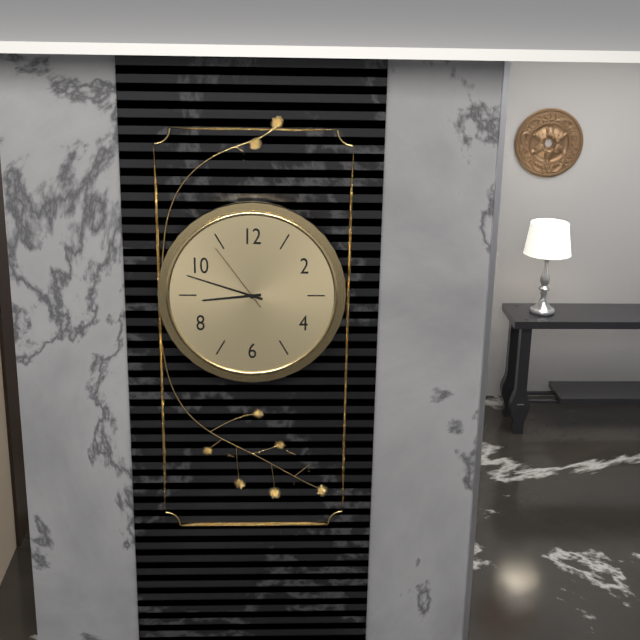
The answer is 8h48m54s
